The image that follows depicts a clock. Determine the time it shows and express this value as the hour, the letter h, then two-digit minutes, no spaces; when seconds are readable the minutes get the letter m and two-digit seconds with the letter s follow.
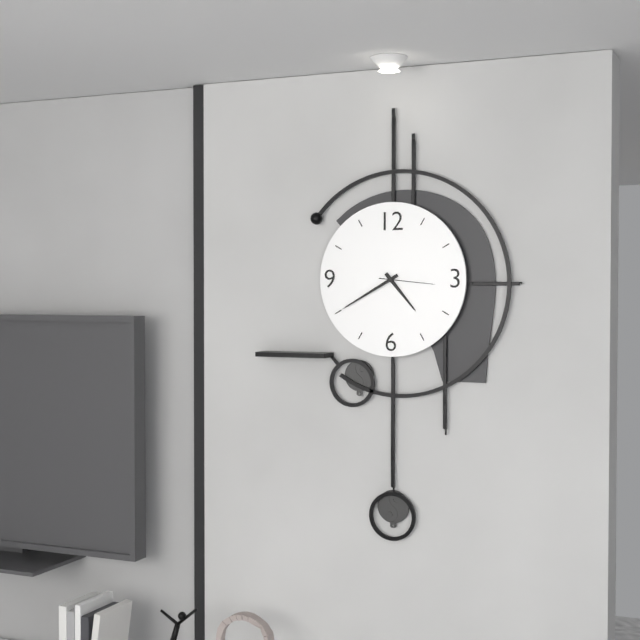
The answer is 4h40m16s
